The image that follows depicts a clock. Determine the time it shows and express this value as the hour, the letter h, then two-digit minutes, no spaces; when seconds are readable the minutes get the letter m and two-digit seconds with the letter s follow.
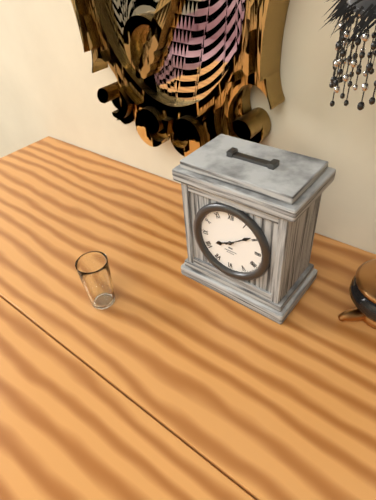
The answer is 8h09
